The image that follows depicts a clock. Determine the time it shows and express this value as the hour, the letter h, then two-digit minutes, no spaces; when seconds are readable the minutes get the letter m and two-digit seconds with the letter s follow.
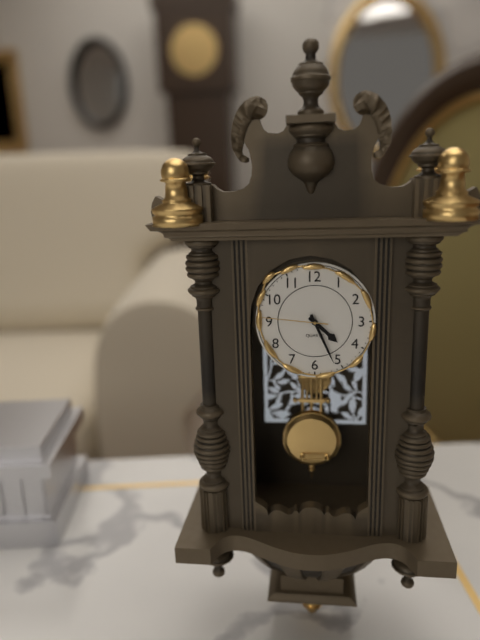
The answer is 4h26m46s
